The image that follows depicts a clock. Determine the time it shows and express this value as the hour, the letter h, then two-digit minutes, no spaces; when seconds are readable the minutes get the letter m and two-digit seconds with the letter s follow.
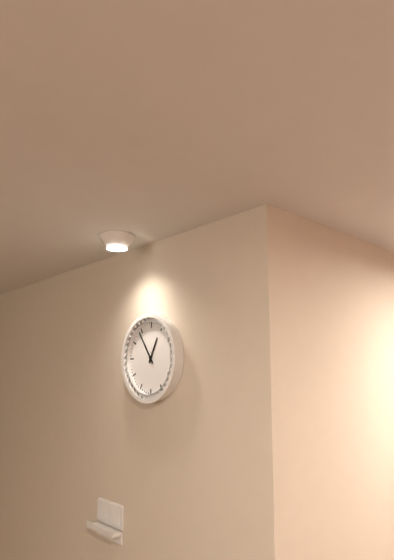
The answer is 12h54
